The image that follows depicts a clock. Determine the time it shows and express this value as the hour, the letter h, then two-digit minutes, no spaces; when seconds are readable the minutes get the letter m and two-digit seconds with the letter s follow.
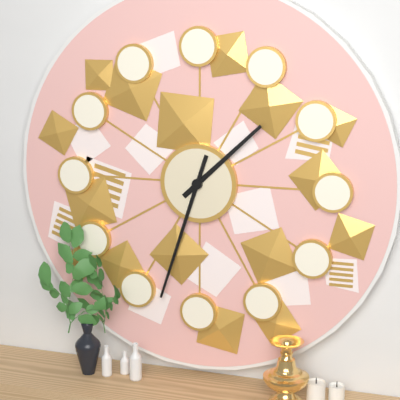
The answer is 1h33
